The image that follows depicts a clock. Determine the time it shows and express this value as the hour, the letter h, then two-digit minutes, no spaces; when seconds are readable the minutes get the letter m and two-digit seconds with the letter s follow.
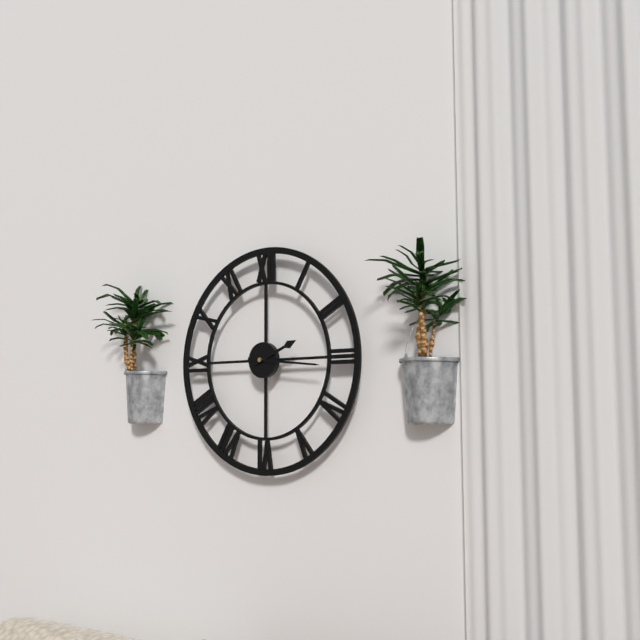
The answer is 2h16
